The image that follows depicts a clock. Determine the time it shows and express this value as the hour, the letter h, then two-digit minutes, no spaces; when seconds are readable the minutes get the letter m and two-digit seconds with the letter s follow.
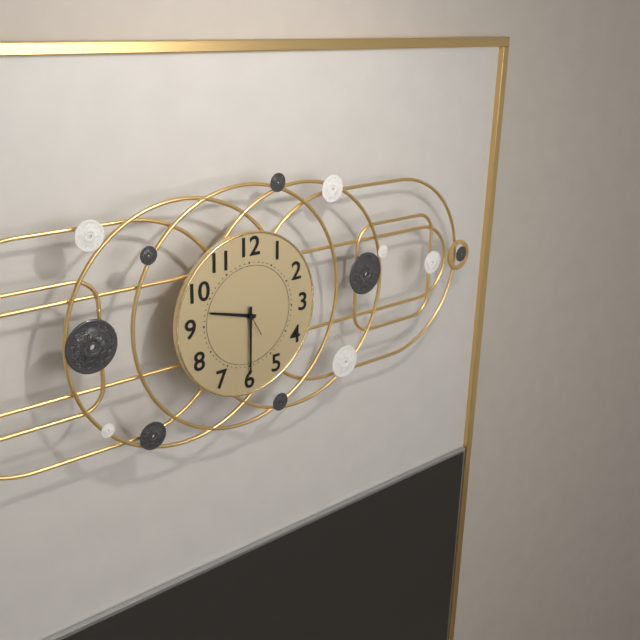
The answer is 9h30
